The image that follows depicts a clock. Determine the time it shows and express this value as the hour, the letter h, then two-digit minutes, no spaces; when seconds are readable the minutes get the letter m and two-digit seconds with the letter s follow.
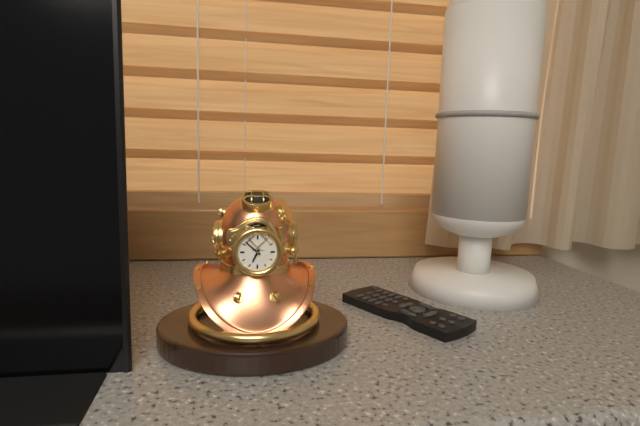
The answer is 6h52
